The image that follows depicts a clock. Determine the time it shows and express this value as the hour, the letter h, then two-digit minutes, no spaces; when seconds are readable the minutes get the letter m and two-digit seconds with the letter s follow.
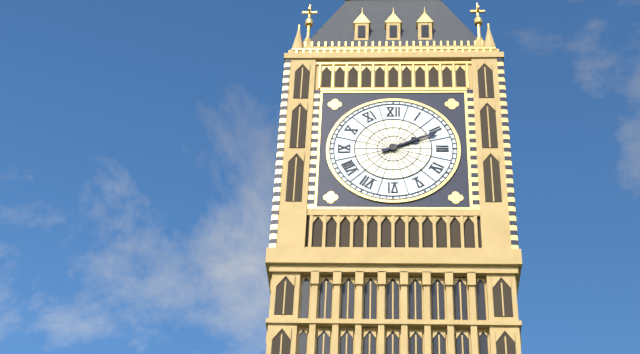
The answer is 2h11
